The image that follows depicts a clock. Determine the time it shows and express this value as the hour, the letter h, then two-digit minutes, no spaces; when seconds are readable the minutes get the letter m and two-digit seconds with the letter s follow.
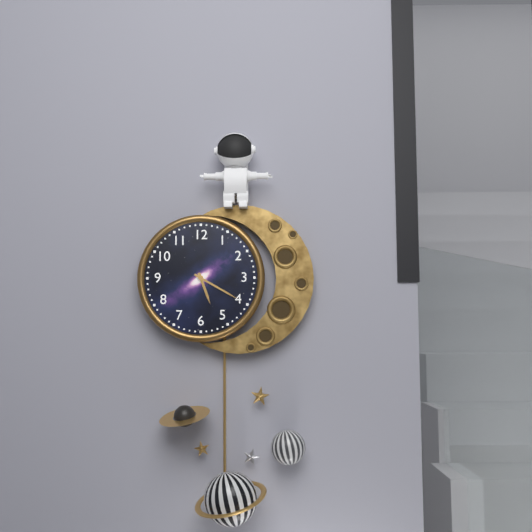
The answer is 5h20
